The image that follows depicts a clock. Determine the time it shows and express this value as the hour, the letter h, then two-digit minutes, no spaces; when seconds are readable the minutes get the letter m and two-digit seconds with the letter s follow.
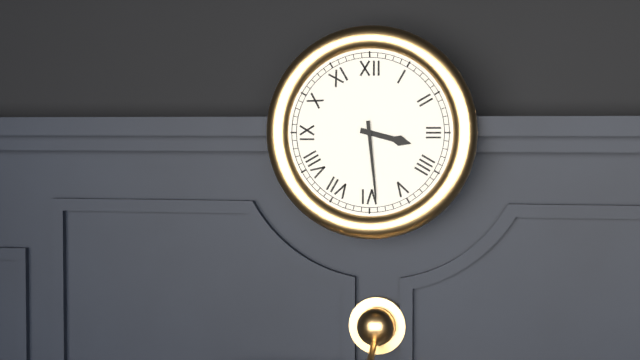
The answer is 3h29
